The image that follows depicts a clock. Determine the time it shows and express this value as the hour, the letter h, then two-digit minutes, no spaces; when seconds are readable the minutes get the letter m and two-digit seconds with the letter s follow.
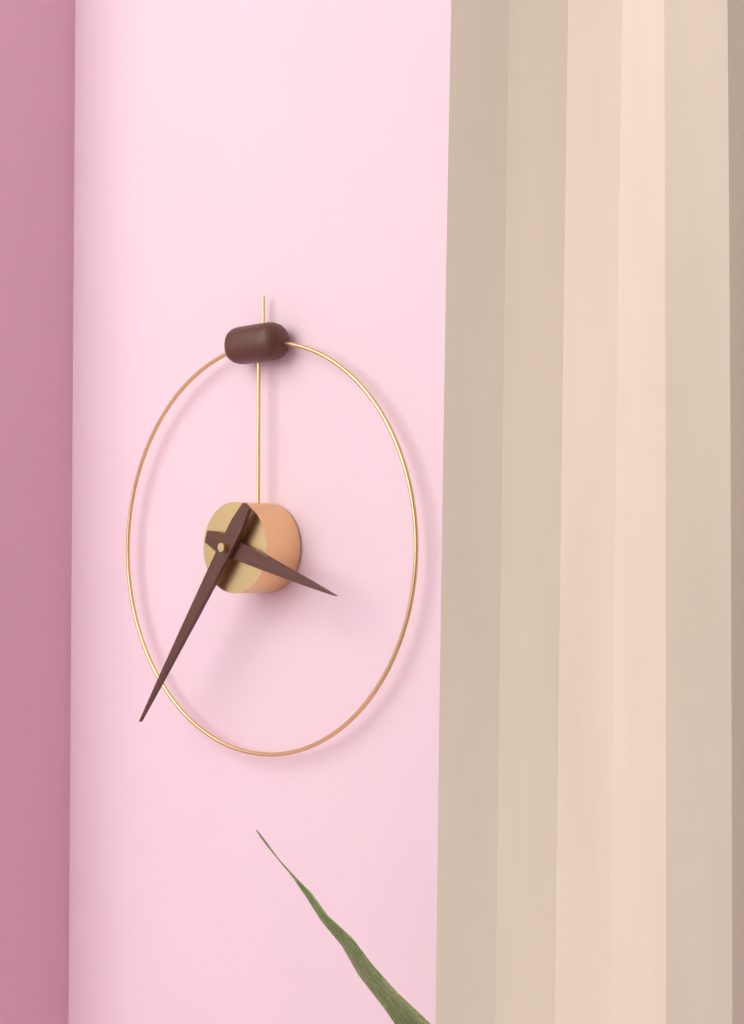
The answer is 3h36
